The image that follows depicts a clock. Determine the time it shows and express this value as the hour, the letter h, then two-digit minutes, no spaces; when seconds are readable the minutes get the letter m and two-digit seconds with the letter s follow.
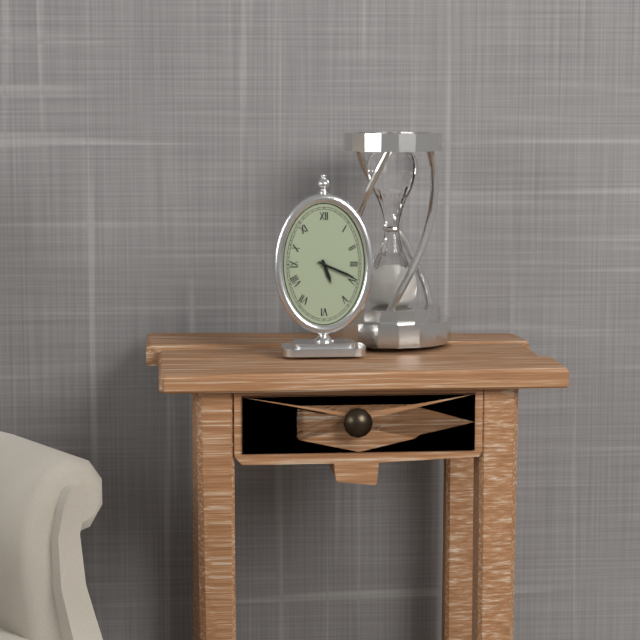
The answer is 5h19
